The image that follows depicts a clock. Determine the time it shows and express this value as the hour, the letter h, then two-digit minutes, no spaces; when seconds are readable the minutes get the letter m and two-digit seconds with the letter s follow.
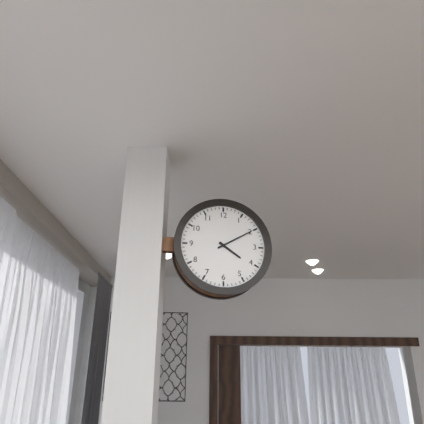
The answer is 4h10
